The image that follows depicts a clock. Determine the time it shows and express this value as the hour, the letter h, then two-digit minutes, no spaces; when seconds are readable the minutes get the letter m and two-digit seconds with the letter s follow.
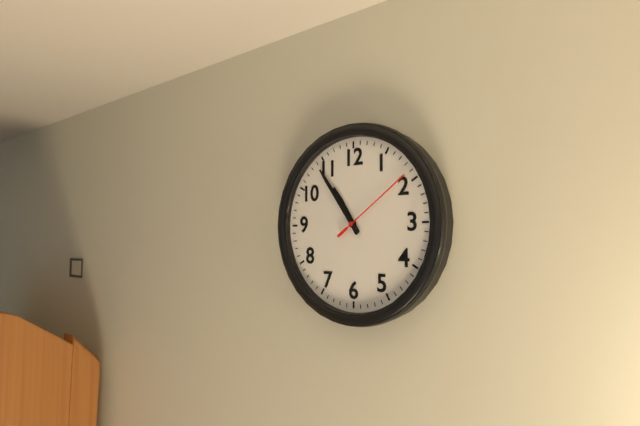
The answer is 10h54m09s
